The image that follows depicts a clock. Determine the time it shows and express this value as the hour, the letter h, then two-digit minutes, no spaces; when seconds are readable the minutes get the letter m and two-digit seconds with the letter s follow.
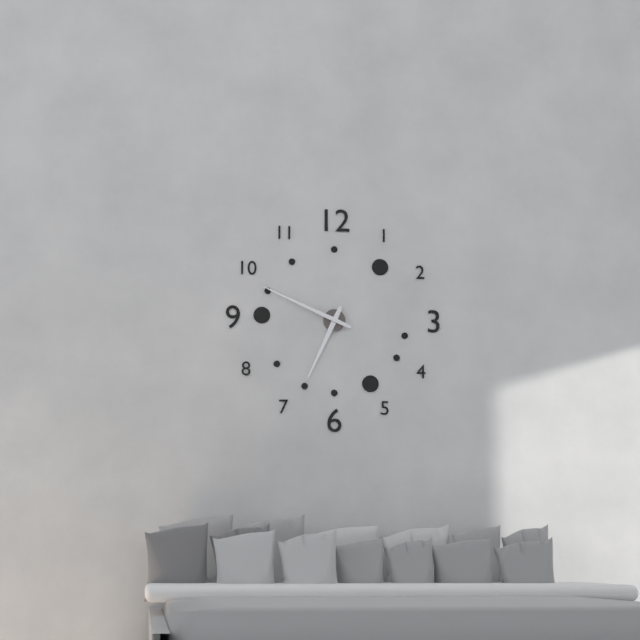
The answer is 6h49
